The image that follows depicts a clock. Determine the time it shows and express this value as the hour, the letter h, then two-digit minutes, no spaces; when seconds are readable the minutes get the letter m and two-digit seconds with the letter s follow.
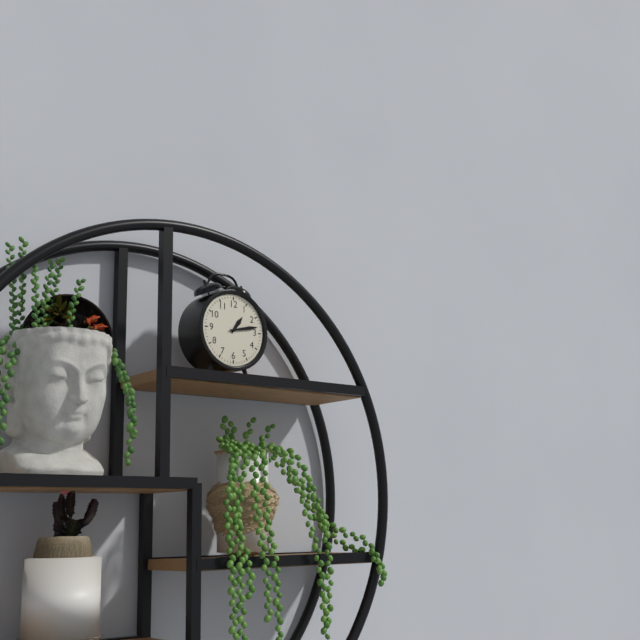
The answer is 1h13
